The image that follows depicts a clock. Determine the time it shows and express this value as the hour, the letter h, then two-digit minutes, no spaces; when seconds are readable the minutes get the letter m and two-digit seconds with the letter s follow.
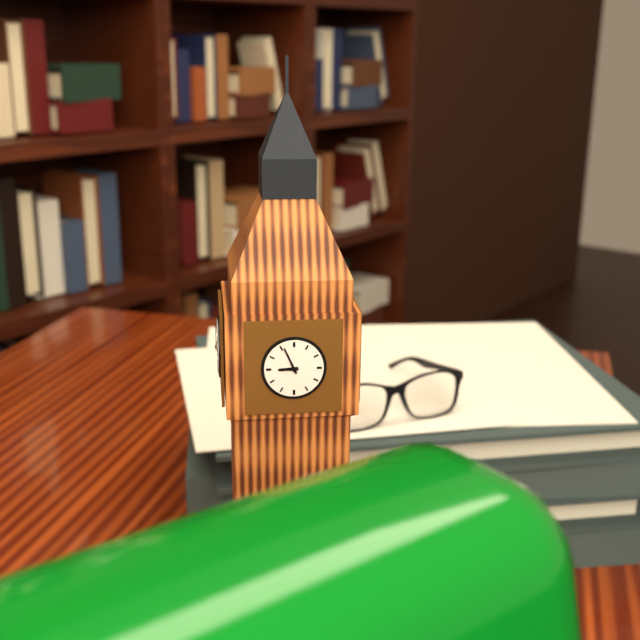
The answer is 8h56
